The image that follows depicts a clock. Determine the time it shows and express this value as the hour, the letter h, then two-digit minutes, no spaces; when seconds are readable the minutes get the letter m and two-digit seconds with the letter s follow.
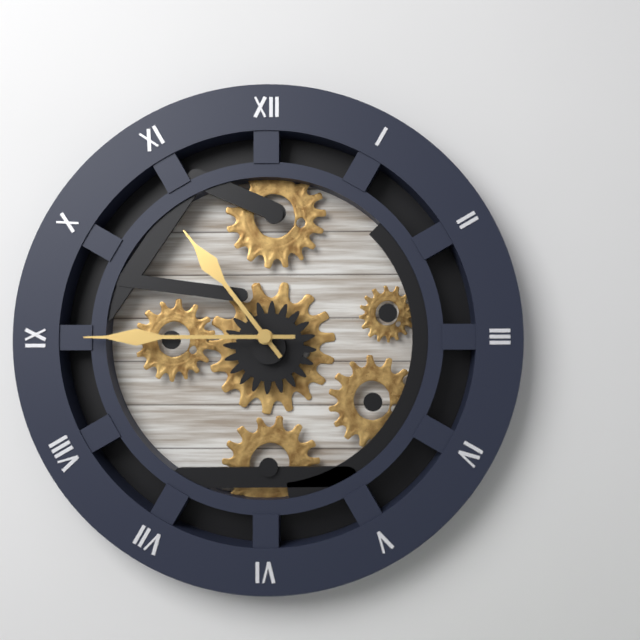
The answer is 10h45
